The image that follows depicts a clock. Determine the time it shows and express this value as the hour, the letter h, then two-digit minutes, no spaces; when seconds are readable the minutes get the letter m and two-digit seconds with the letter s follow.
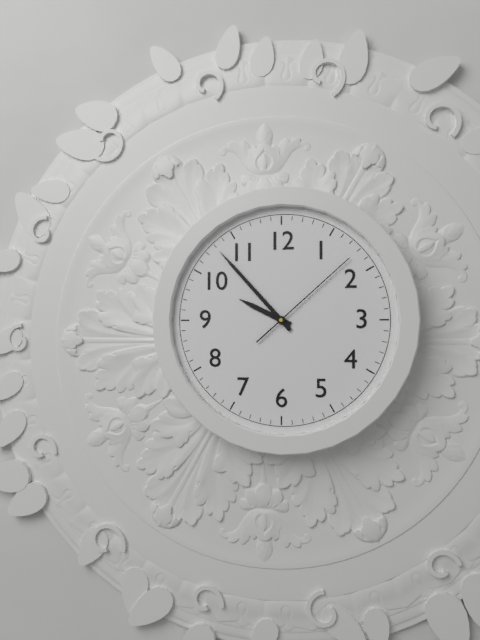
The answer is 9h53m08s
